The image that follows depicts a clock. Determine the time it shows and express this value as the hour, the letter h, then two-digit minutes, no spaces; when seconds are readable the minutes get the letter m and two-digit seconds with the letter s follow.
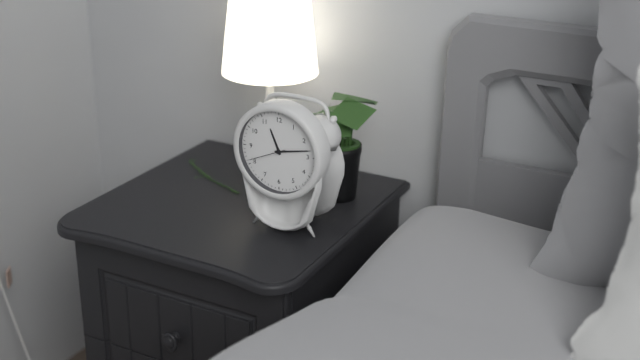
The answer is 11h13
